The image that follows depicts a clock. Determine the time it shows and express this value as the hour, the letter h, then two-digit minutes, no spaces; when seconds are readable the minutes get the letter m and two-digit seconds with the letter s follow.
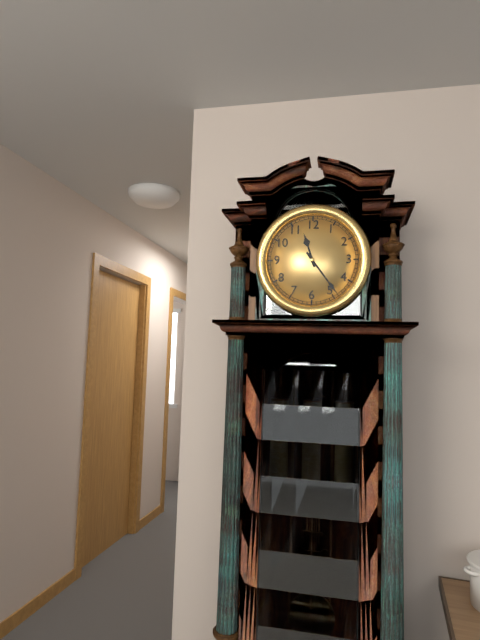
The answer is 11h24
